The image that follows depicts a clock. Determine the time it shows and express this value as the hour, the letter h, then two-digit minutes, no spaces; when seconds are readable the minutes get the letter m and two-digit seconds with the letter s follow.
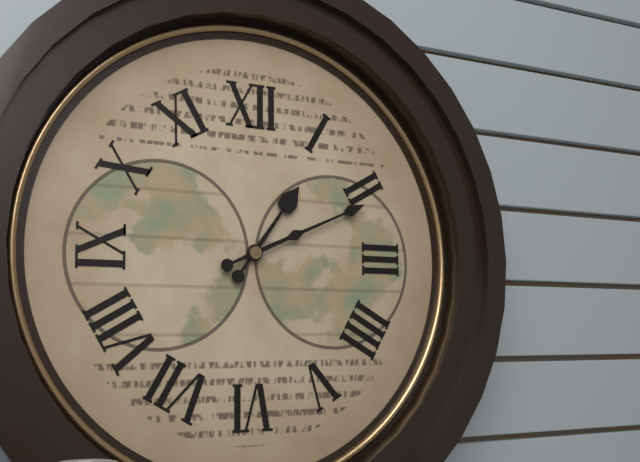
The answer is 1h11
